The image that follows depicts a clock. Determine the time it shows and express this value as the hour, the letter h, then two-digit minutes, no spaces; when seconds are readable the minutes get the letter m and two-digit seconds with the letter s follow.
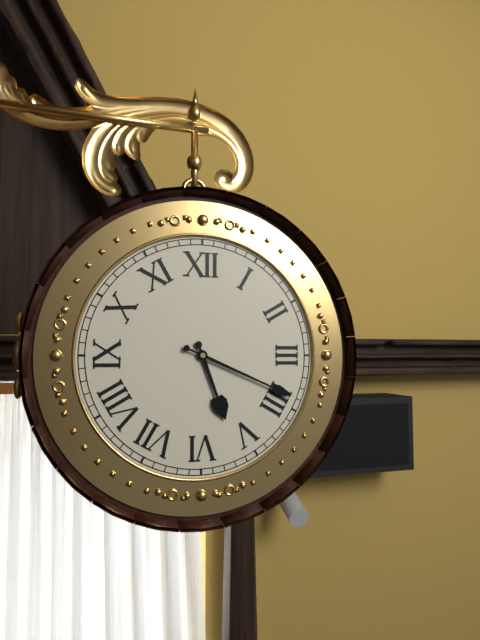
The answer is 5h19
